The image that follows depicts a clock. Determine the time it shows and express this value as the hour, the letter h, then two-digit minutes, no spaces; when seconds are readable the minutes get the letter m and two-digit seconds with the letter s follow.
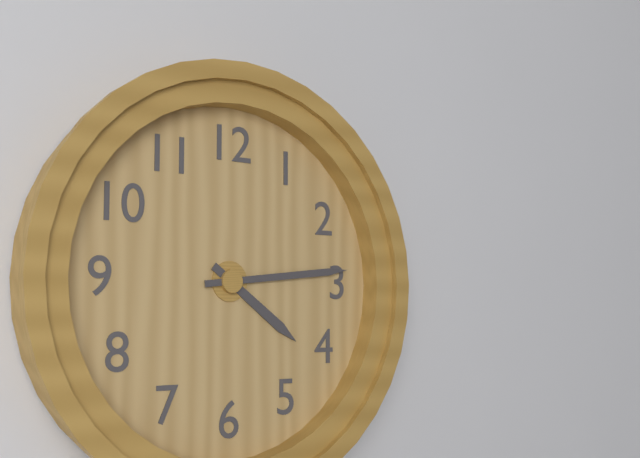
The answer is 4h14
